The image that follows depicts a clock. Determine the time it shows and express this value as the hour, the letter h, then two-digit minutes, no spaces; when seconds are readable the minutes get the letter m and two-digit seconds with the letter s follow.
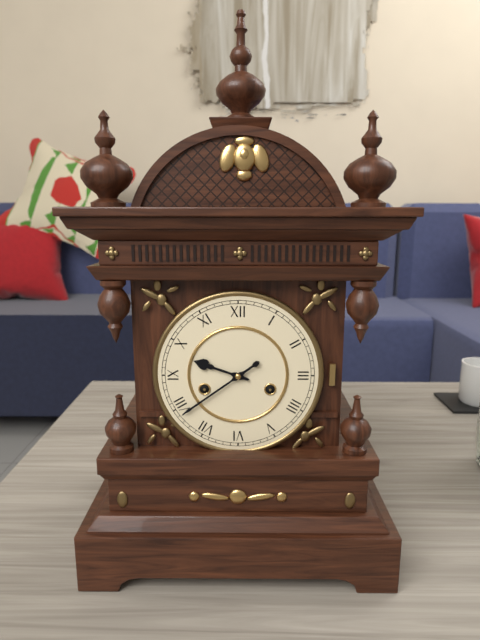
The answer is 9h39
